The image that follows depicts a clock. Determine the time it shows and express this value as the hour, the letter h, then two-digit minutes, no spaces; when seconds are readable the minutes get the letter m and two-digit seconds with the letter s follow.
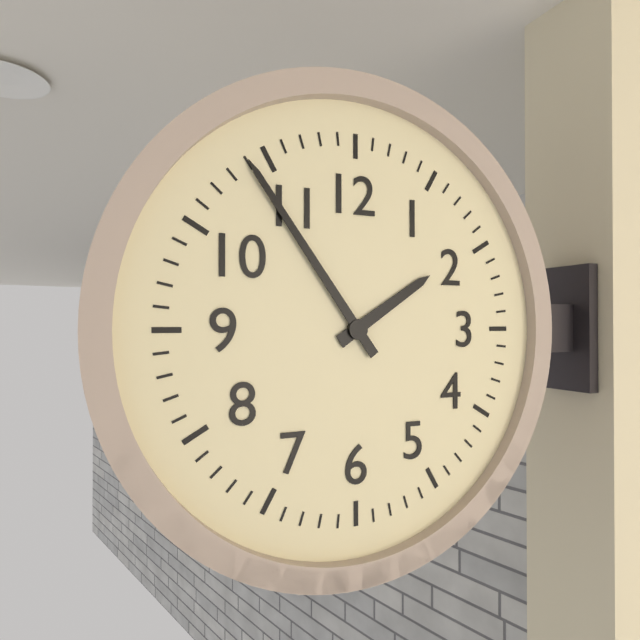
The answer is 1h54
